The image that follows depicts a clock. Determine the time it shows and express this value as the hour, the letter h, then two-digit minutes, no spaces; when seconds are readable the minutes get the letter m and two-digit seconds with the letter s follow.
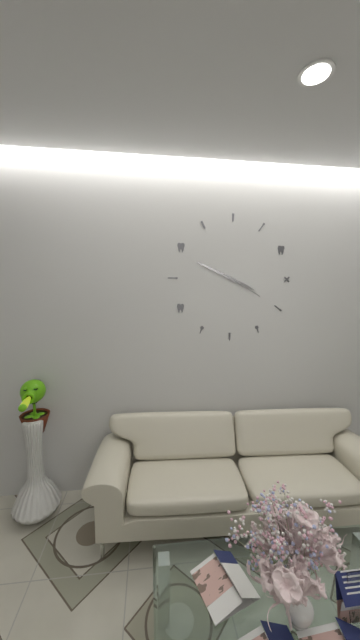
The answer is 3h49
